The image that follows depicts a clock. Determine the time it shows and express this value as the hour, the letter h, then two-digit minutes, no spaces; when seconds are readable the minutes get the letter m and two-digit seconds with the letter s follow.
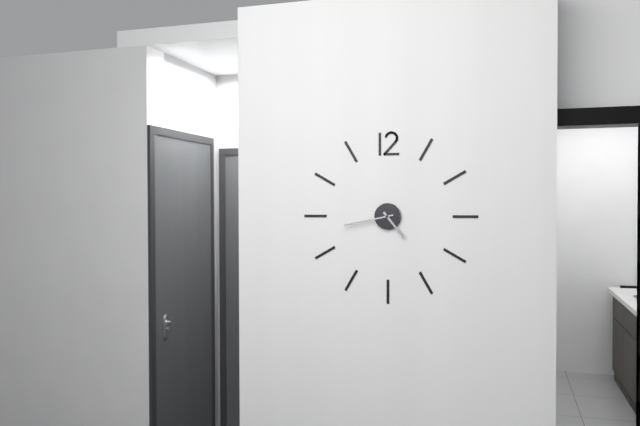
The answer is 4h43
